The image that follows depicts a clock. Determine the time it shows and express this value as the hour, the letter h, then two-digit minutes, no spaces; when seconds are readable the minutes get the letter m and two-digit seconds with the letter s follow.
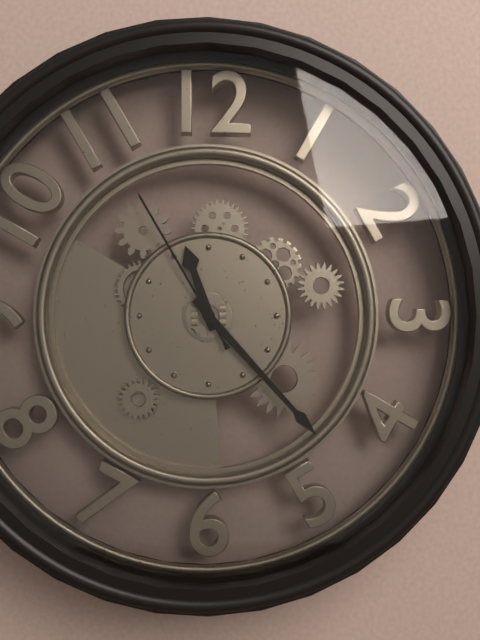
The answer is 11h23m55s
